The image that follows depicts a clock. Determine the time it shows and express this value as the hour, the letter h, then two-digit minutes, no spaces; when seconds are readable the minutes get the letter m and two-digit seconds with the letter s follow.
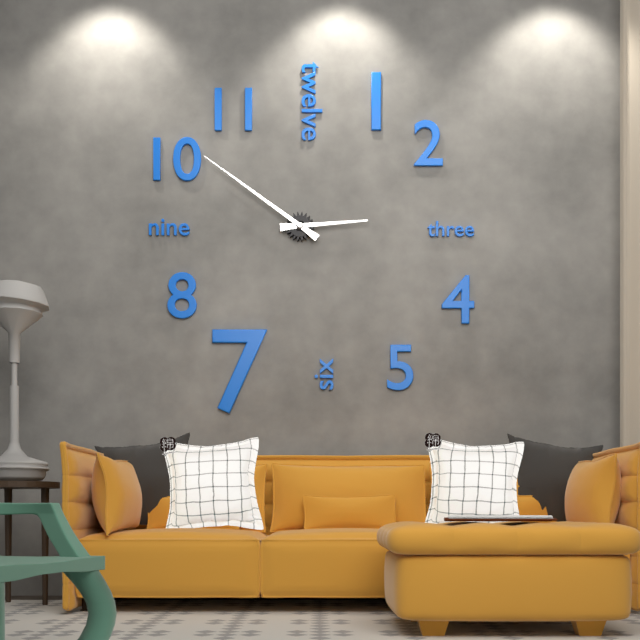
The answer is 2h51
